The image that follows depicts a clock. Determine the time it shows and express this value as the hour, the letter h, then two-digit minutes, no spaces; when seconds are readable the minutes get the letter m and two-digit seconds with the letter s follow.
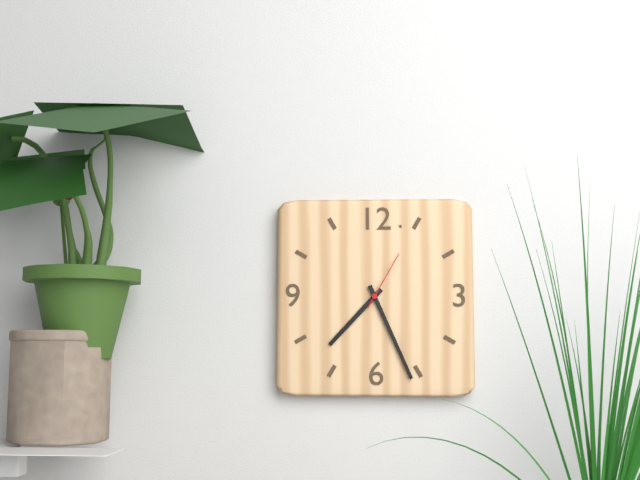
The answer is 7h26m05s
